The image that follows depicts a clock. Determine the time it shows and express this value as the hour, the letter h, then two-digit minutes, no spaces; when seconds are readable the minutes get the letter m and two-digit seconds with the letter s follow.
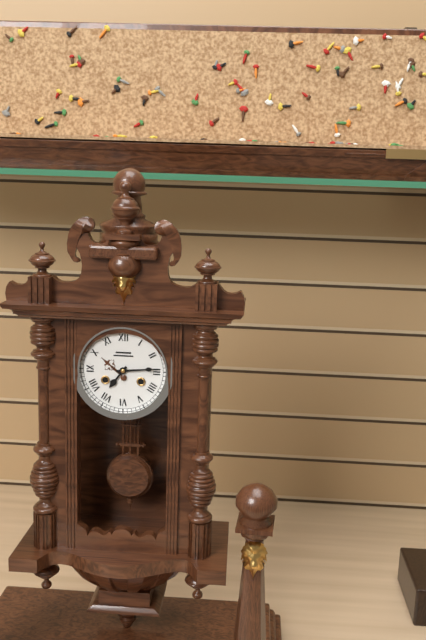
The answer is 7h14
